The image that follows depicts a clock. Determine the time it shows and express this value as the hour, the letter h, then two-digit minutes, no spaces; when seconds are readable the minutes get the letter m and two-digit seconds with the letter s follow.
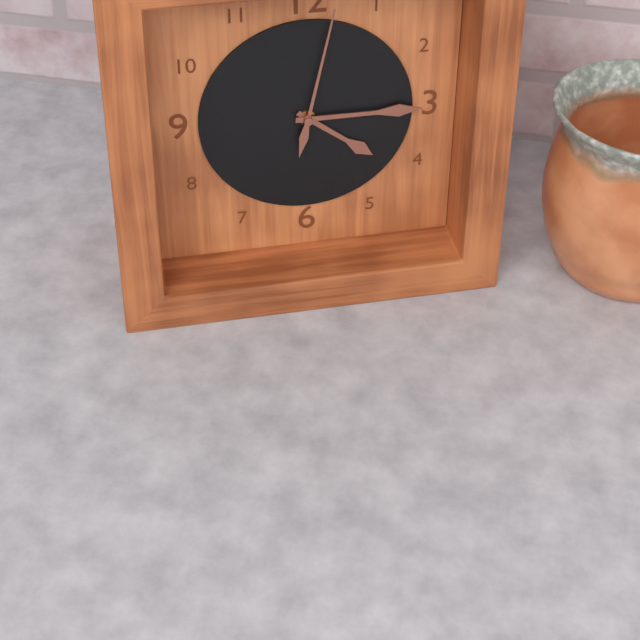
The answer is 4h15m02s
